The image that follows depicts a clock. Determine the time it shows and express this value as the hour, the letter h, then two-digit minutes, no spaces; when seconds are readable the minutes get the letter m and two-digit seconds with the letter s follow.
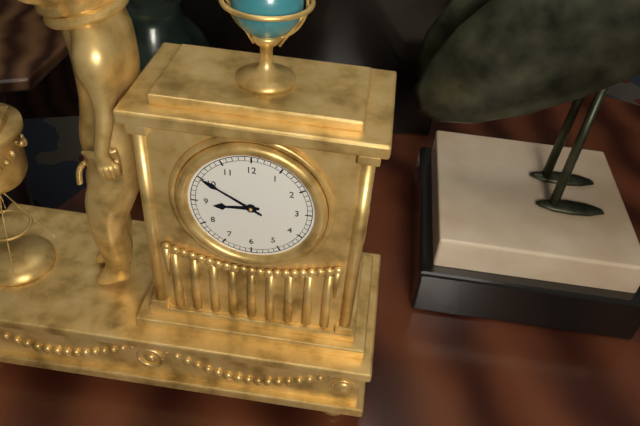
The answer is 8h50
